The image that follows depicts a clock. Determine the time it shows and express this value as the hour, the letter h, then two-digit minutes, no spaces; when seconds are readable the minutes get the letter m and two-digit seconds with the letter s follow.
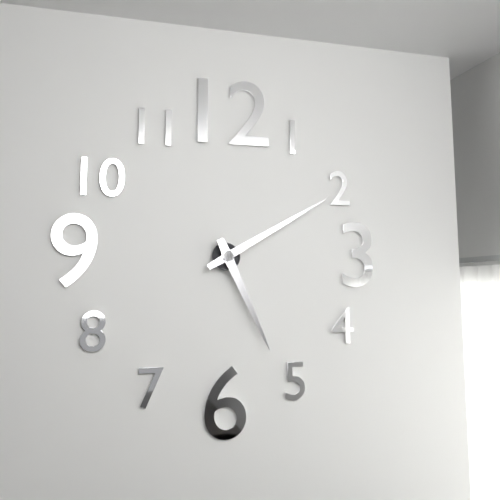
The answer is 5h10
